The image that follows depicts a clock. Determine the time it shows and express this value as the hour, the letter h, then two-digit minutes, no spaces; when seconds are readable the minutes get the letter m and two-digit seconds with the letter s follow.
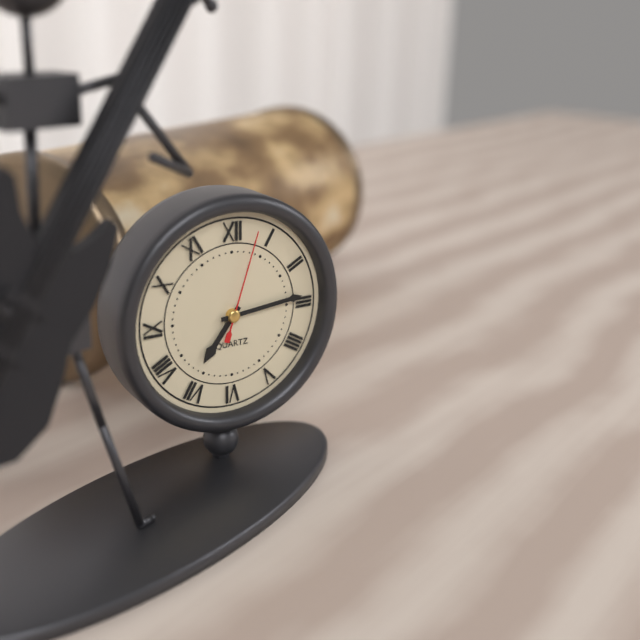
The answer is 7h14m03s
